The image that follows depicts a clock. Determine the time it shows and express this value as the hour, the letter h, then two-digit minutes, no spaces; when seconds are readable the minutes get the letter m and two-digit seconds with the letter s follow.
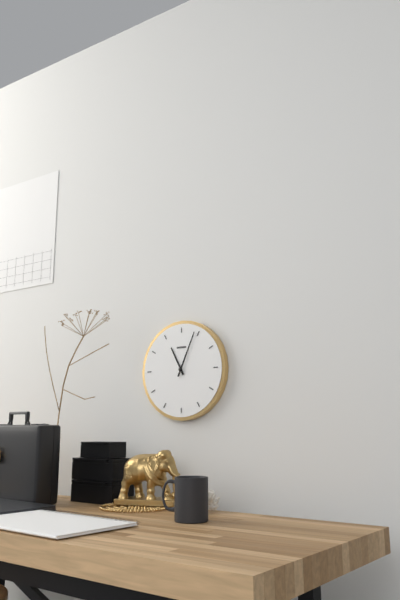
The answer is 11h04
